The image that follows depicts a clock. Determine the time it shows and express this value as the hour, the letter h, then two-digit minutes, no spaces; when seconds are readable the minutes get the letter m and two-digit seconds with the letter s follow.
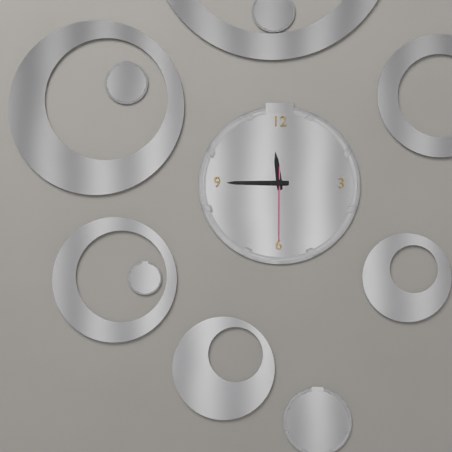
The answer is 11h45m30s
